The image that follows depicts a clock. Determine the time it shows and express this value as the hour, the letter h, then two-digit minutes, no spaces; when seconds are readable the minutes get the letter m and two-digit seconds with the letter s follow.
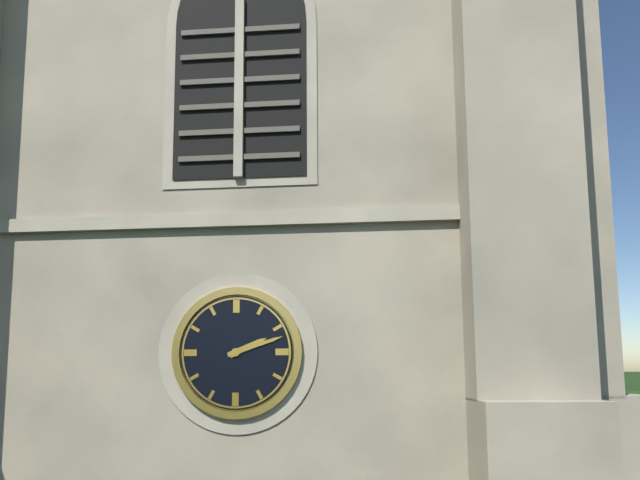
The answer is 2h12
